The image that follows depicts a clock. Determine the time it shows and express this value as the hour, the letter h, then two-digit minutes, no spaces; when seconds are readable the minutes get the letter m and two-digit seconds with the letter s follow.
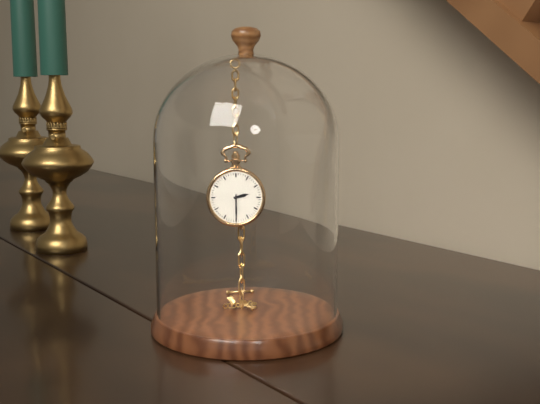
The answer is 2h30
